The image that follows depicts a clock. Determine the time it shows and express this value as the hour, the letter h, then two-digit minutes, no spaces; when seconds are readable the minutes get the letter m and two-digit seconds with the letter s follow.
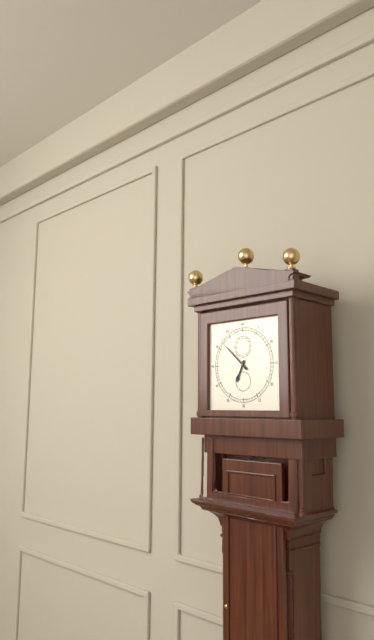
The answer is 6h52
